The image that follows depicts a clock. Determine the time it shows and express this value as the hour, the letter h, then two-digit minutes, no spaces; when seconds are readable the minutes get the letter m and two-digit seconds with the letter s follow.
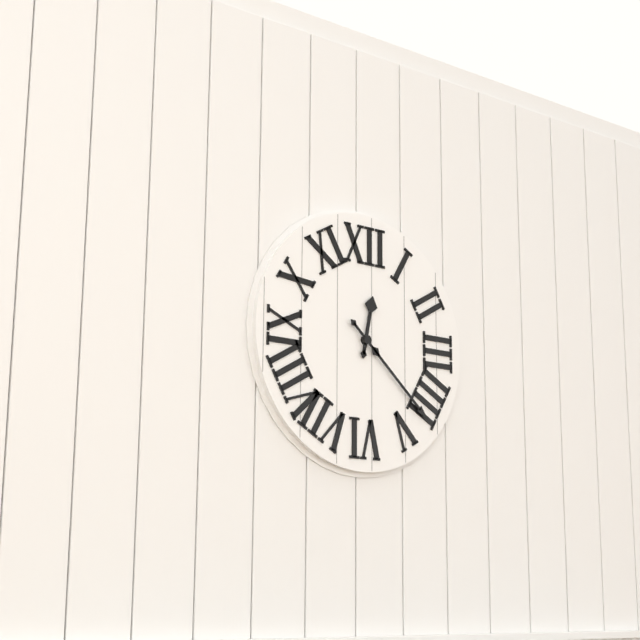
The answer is 12h22
